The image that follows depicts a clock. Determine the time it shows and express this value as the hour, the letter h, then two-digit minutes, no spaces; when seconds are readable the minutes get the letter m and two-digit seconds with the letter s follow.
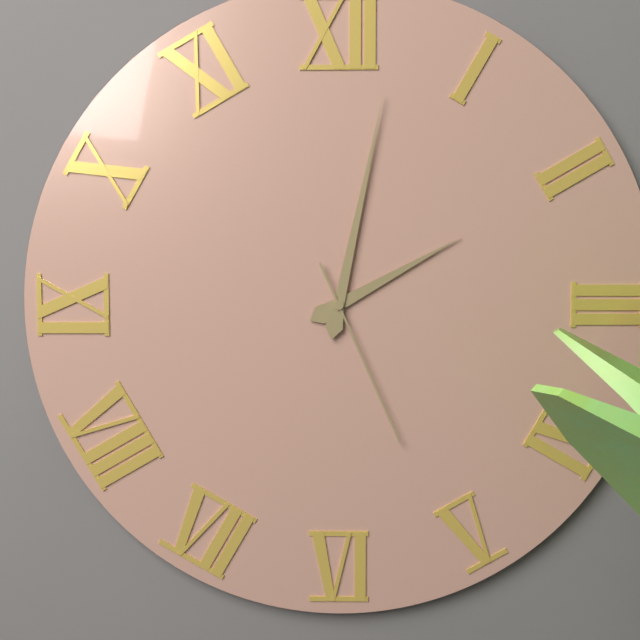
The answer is 2h02m26s
